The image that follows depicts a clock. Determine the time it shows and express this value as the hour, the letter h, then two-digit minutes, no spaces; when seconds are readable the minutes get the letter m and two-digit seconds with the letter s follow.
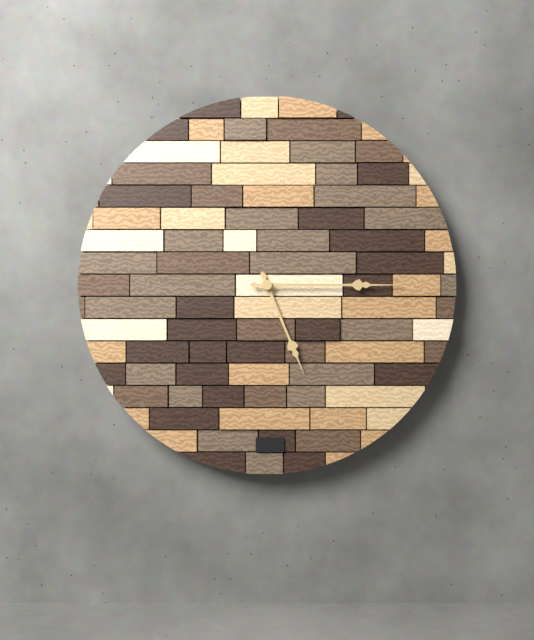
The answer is 5h15
